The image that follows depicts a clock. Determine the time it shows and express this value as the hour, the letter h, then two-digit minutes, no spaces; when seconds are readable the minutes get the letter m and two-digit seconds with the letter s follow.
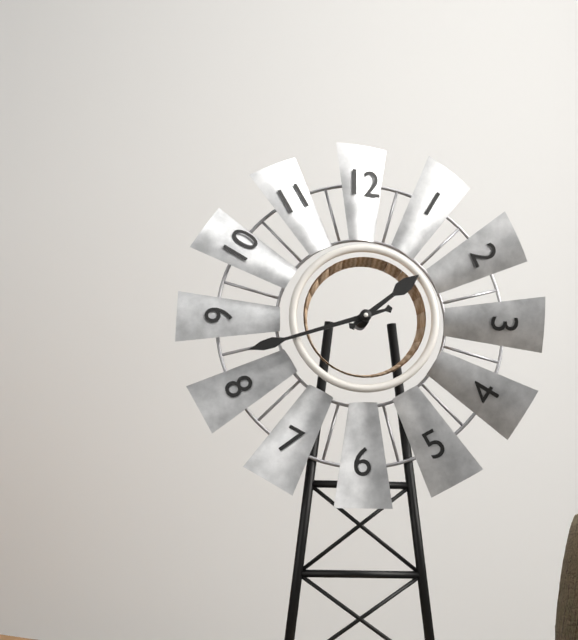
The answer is 1h42
